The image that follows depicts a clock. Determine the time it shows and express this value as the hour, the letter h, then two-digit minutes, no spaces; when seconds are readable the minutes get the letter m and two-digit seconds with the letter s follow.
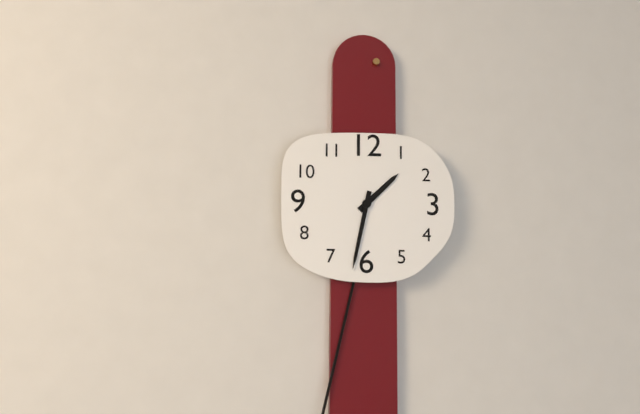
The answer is 1h32
